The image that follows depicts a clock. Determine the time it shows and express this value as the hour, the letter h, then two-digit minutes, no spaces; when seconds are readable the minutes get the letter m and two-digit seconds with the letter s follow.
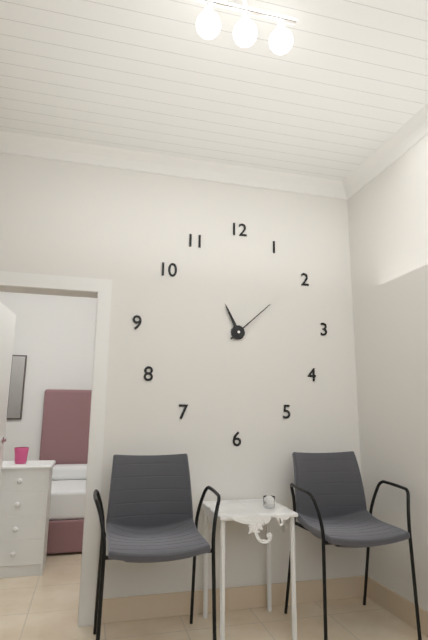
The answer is 11h08
